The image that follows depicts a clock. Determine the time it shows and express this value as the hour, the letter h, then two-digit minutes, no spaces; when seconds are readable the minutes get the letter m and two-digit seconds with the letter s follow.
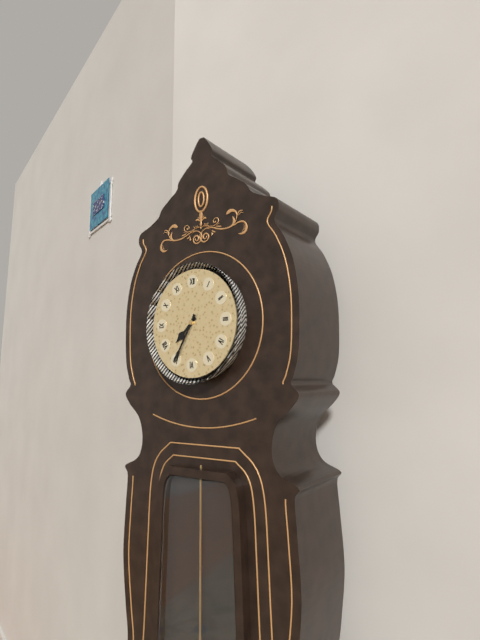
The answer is 7h35
